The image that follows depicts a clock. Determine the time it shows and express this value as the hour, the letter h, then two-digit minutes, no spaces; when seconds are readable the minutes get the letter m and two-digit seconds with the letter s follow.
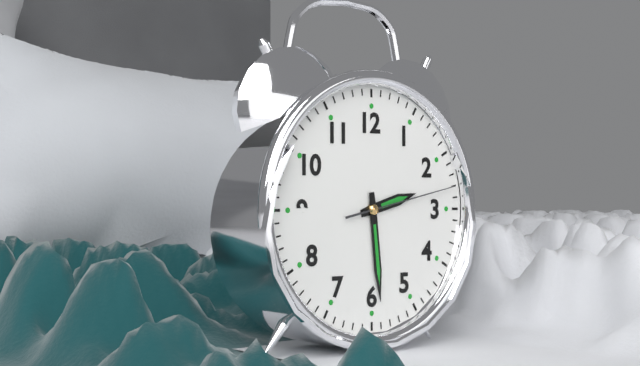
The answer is 2h29m13s
